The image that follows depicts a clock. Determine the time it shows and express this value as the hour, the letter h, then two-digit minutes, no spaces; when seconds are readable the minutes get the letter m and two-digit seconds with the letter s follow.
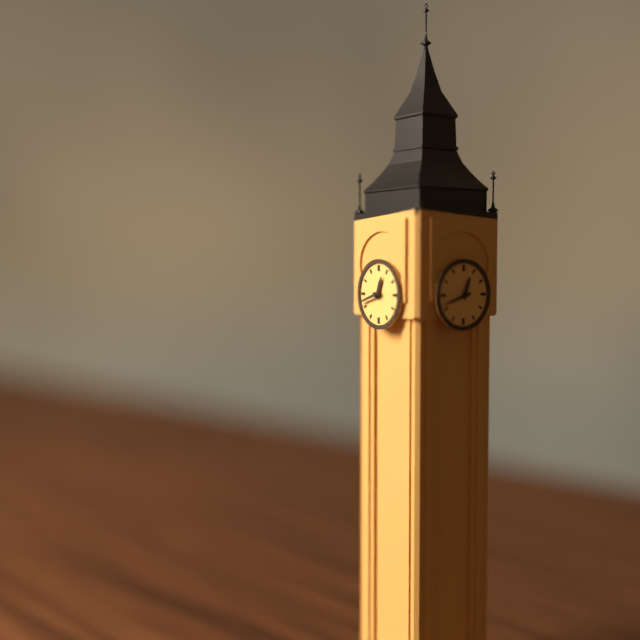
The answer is 12h42
